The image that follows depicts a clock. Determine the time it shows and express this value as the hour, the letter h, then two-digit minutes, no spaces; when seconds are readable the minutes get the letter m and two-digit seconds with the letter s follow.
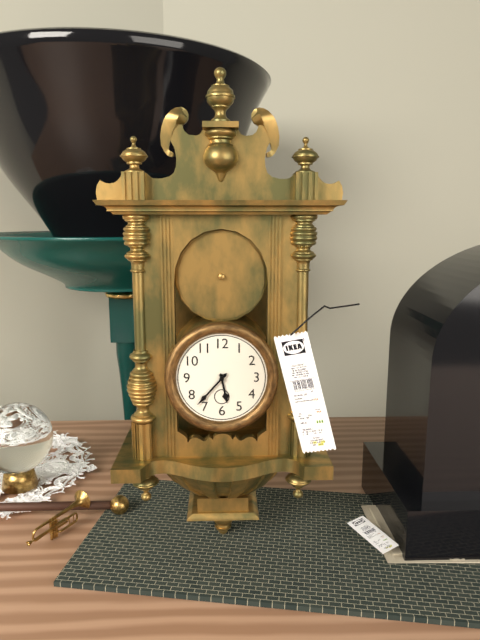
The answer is 5h37
